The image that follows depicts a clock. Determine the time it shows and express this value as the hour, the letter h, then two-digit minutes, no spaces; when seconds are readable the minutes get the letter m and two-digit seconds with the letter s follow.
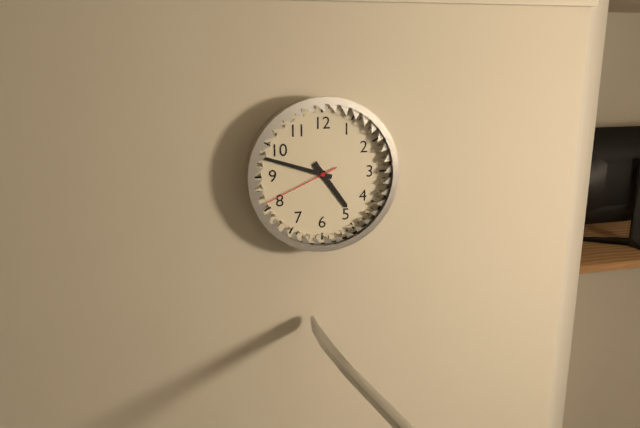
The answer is 4h48m41s
